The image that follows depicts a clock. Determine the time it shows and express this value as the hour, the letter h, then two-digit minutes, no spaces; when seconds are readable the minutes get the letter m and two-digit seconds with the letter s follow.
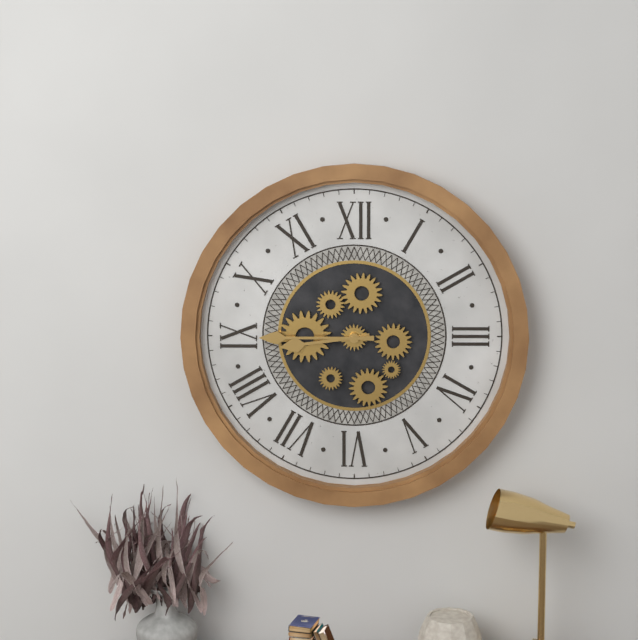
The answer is 8h45
